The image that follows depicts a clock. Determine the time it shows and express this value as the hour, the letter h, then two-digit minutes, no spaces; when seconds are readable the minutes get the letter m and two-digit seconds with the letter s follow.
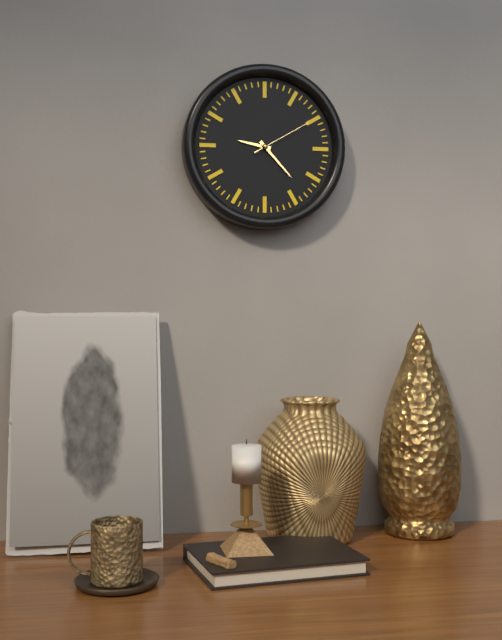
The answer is 9h23m10s
